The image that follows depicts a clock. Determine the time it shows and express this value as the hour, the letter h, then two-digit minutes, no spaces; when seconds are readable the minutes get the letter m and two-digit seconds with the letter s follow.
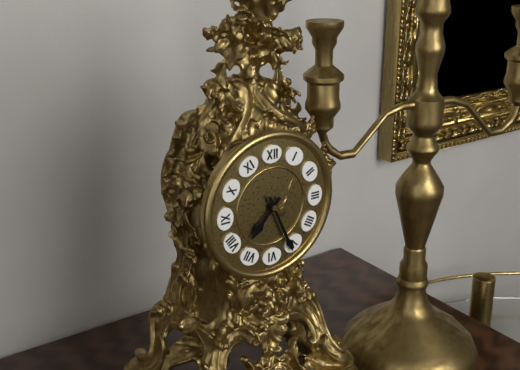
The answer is 7h26
